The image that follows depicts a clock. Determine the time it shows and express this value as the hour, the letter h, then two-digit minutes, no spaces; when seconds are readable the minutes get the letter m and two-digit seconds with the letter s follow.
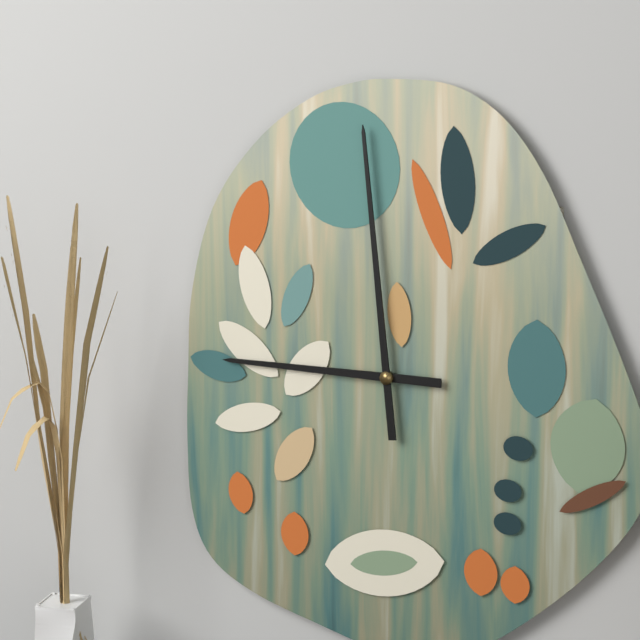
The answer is 8h59
